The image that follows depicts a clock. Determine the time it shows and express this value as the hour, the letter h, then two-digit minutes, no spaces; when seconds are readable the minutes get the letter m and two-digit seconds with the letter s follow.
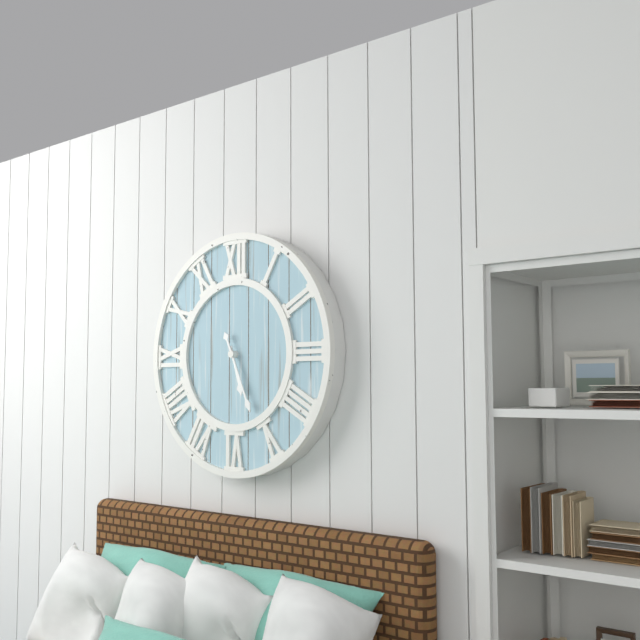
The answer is 5h26
